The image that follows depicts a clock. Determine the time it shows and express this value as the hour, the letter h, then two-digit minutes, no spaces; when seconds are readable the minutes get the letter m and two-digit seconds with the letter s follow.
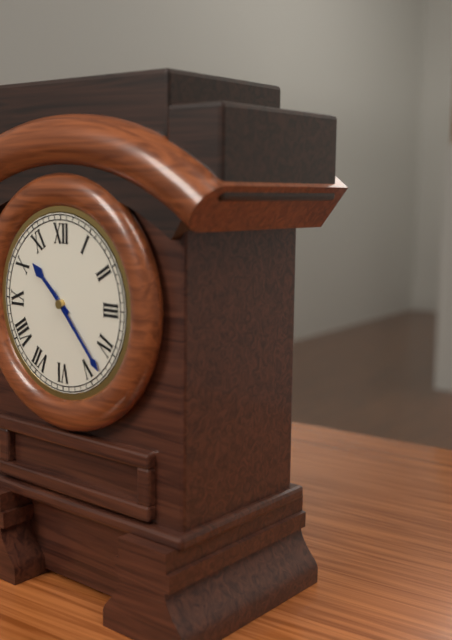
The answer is 10h23
